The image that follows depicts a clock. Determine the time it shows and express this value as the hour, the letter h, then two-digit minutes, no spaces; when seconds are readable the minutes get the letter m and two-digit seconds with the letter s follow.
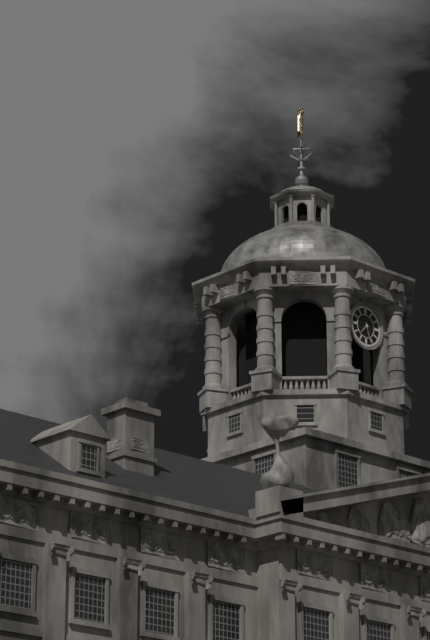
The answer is 7h27
